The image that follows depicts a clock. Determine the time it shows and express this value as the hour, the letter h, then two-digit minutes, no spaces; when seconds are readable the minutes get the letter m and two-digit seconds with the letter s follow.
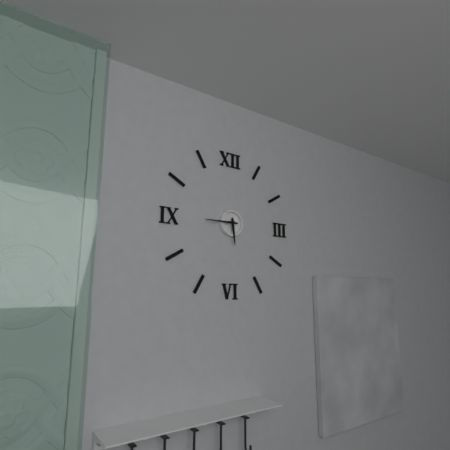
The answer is 5h45
